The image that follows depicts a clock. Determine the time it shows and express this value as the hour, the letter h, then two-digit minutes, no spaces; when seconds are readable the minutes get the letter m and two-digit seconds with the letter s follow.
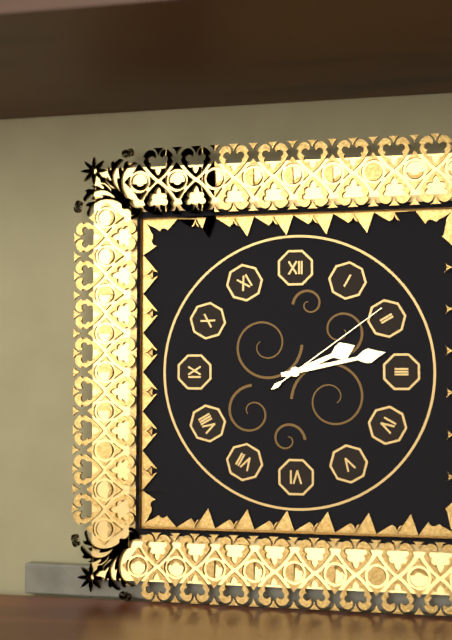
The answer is 2h13m09s
